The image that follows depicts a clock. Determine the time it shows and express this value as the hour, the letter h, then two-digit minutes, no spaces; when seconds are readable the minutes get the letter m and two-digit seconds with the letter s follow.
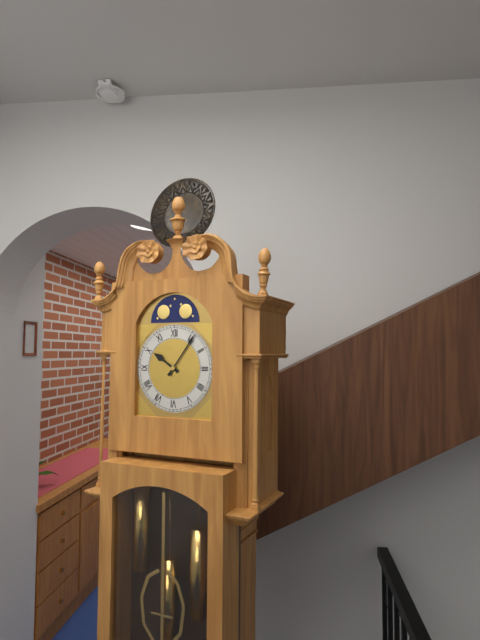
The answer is 10h06
